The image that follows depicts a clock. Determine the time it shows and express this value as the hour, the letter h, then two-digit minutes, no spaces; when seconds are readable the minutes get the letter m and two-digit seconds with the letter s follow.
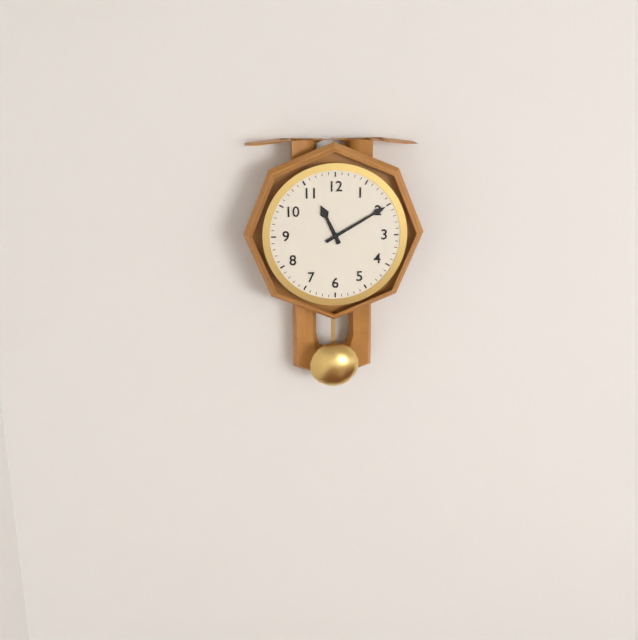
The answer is 11h10
